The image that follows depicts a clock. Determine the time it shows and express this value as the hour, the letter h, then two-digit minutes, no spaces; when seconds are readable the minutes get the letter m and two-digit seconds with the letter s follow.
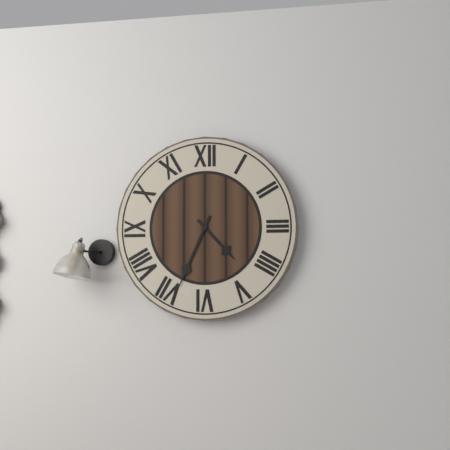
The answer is 4h34
